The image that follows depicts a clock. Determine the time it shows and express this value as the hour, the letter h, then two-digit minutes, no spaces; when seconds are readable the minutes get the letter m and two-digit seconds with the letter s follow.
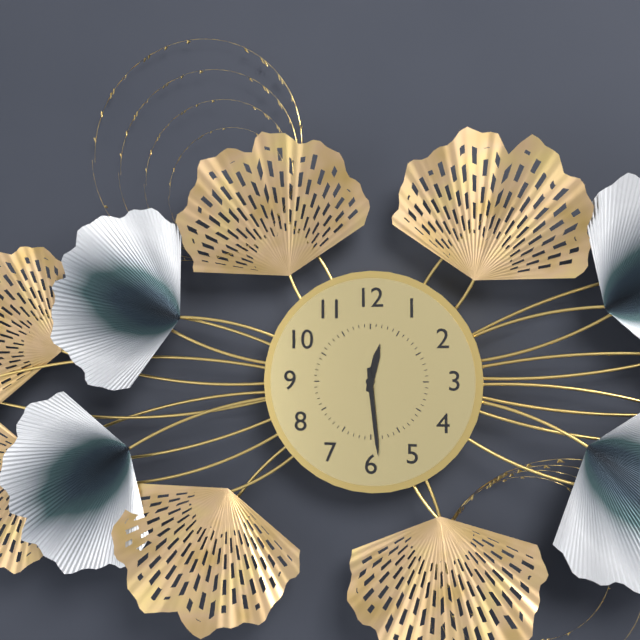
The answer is 12h29
